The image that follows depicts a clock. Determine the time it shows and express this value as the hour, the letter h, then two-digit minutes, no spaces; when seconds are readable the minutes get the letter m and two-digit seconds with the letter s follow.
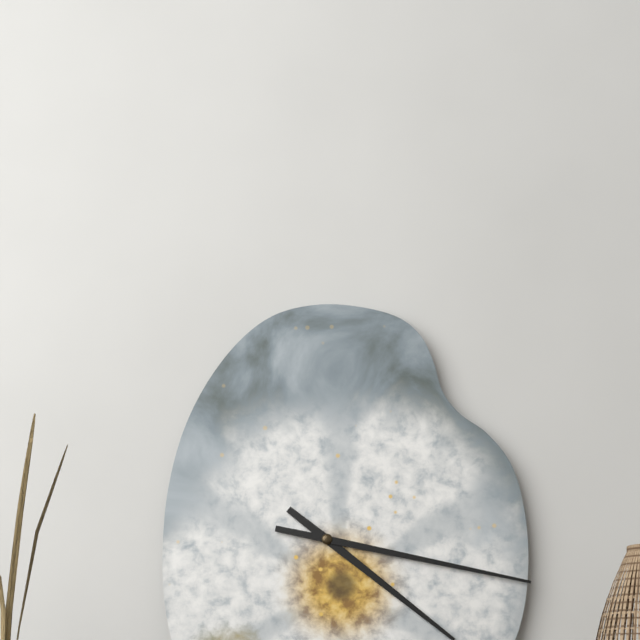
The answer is 4h17
